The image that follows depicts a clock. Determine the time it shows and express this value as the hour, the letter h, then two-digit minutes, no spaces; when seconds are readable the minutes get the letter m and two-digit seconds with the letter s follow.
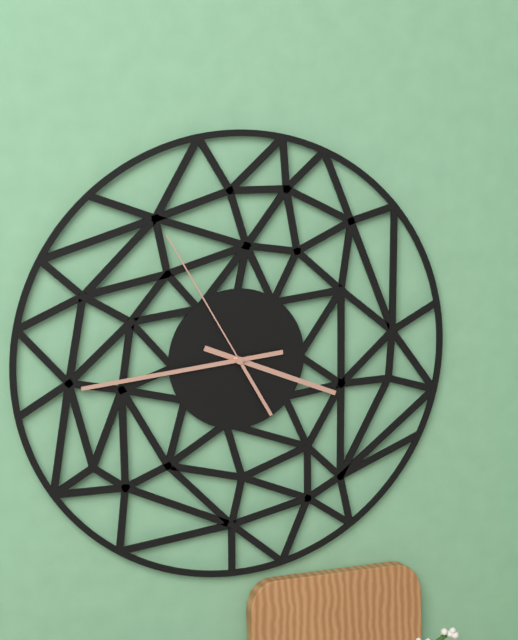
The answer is 3h44m55s
